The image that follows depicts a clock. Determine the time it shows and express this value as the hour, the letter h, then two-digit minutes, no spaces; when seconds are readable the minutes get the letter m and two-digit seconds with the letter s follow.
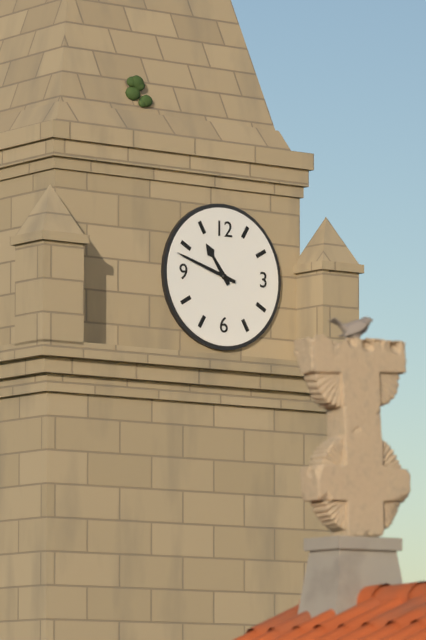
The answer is 10h48
